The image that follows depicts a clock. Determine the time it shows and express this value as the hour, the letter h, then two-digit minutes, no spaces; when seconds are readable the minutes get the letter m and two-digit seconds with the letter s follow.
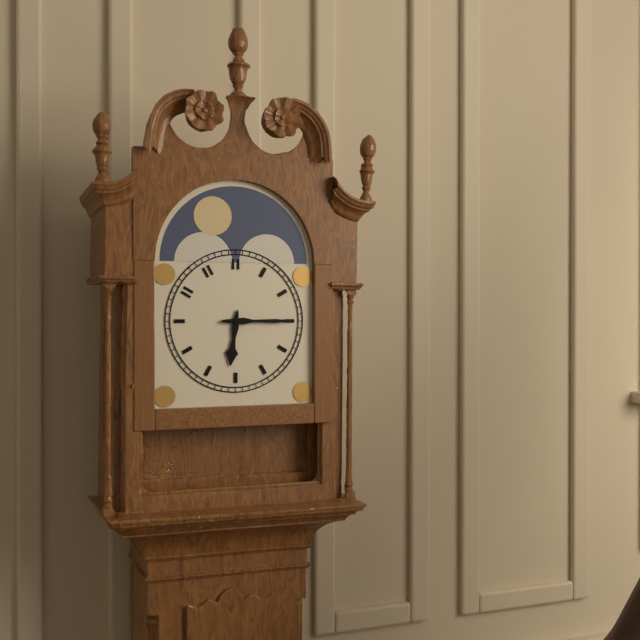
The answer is 6h15
